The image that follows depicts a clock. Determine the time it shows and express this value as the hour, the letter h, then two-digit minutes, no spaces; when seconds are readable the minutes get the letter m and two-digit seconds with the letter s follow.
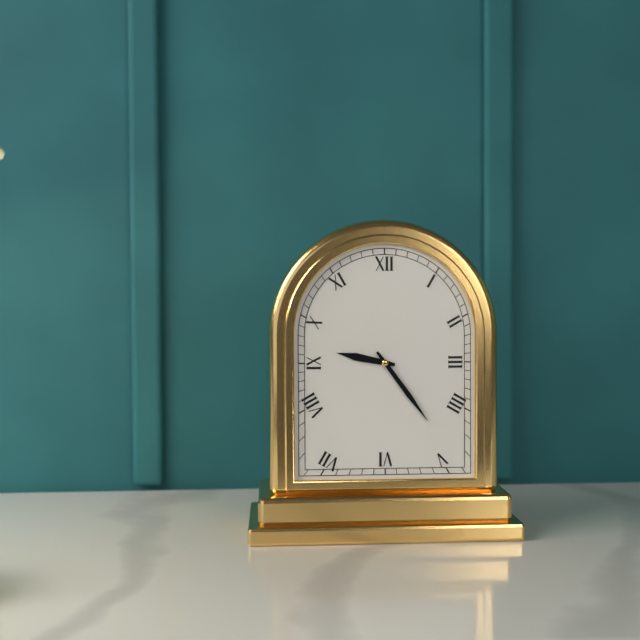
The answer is 9h24
